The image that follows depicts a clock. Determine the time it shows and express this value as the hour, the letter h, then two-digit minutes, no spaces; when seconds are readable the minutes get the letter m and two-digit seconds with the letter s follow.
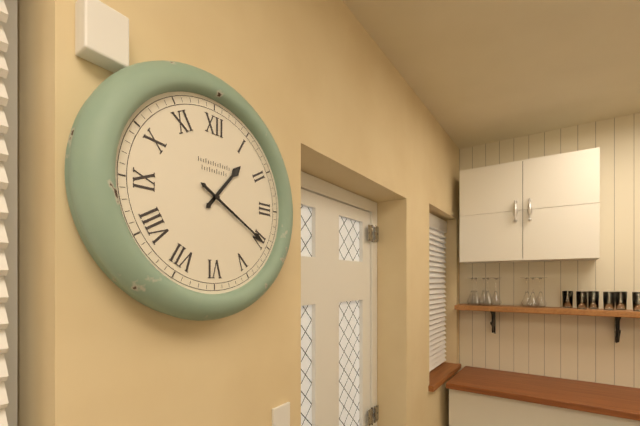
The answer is 1h20
